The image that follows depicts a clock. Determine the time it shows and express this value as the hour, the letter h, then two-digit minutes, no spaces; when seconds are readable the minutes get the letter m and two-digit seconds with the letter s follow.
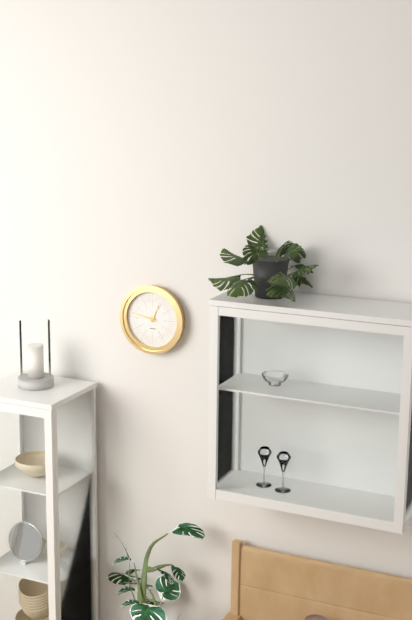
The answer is 12h47
